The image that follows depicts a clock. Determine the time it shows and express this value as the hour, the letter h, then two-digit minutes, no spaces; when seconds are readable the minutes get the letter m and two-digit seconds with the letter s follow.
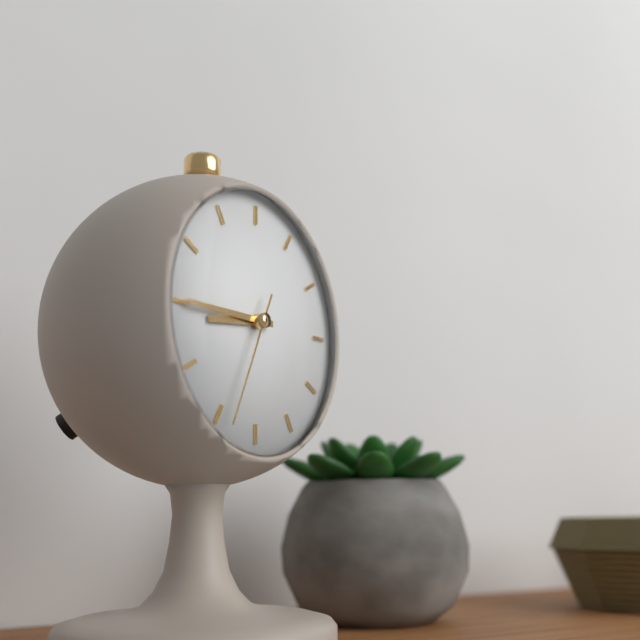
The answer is 8h45m34s
